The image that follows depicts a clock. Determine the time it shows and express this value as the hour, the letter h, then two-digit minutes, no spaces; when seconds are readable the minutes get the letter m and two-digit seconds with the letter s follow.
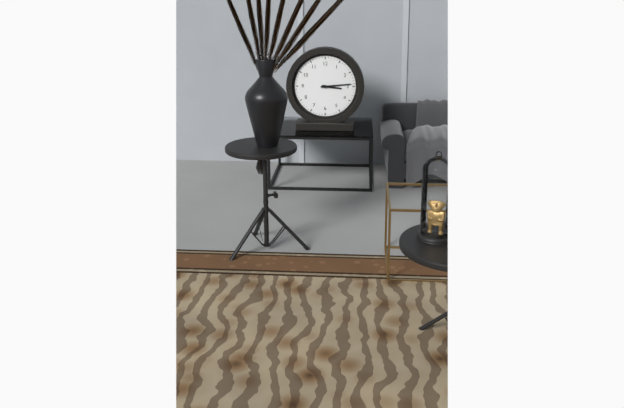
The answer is 3h14
